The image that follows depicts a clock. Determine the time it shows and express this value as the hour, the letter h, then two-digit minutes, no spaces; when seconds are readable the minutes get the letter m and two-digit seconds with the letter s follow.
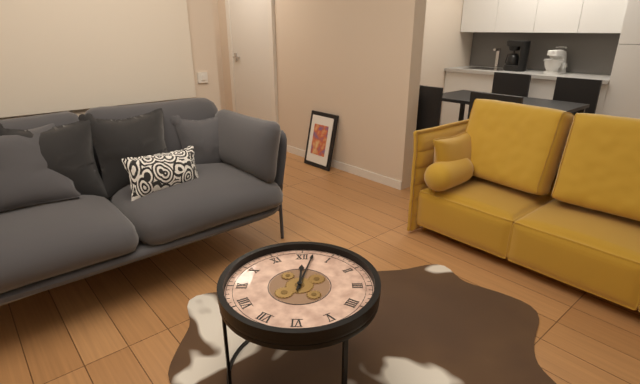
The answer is 12h02
